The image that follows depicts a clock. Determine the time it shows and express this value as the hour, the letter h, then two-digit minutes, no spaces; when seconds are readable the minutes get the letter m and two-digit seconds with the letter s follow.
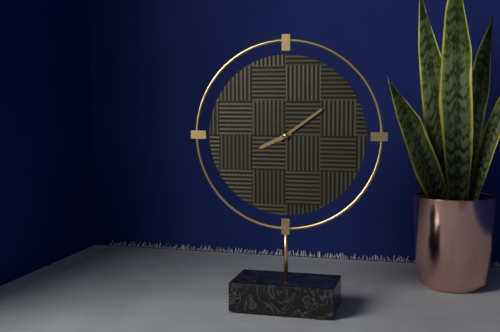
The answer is 8h09
